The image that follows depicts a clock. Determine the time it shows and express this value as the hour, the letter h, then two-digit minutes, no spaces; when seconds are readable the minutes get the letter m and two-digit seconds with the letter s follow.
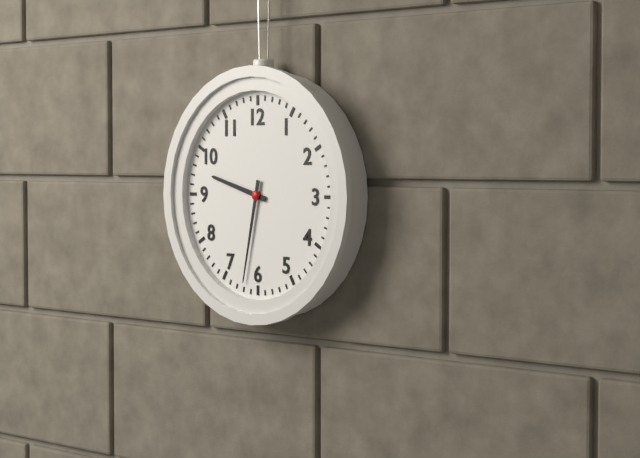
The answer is 9h32
